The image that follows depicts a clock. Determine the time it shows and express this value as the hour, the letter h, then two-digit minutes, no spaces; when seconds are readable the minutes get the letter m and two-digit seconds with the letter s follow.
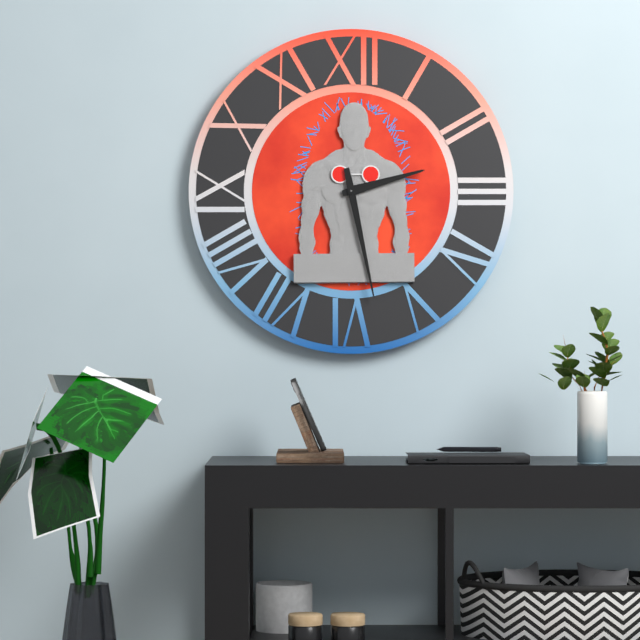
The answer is 2h28
